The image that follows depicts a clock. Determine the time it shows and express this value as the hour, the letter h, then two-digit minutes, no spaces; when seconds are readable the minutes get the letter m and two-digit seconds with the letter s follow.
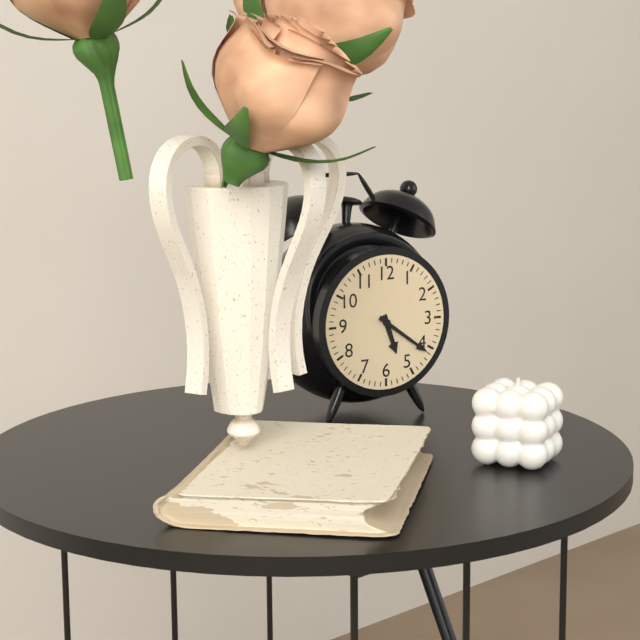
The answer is 5h21
